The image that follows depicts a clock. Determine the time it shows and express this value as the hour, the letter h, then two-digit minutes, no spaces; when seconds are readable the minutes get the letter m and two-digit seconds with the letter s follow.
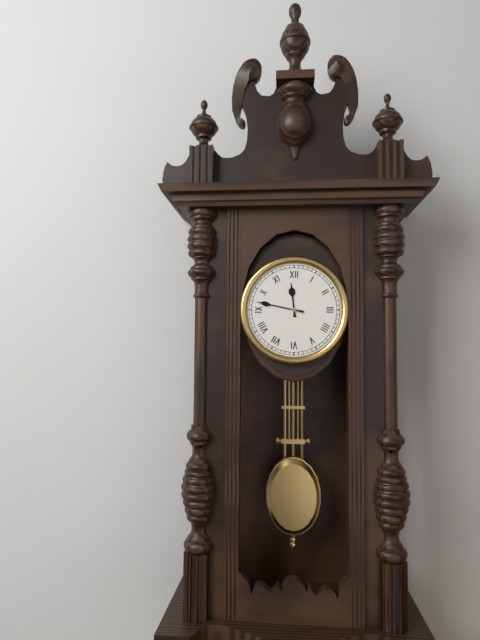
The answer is 11h47
